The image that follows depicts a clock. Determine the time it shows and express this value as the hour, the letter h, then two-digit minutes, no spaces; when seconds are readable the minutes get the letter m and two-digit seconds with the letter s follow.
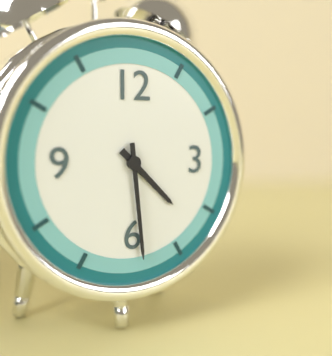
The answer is 4h29
